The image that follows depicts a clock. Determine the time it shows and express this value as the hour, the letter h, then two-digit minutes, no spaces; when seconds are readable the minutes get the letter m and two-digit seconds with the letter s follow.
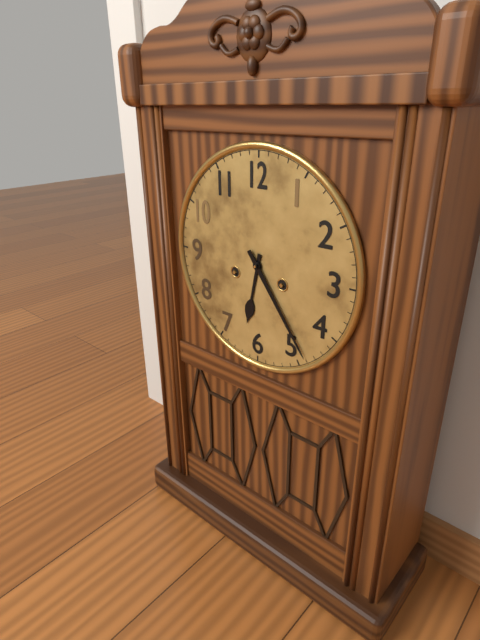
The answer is 6h24
